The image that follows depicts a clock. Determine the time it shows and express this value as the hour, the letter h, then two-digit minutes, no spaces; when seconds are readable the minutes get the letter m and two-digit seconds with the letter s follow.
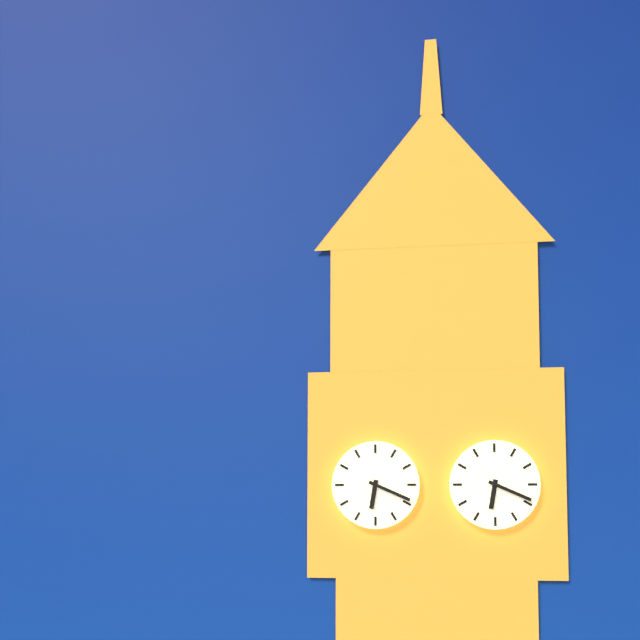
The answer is 6h19
